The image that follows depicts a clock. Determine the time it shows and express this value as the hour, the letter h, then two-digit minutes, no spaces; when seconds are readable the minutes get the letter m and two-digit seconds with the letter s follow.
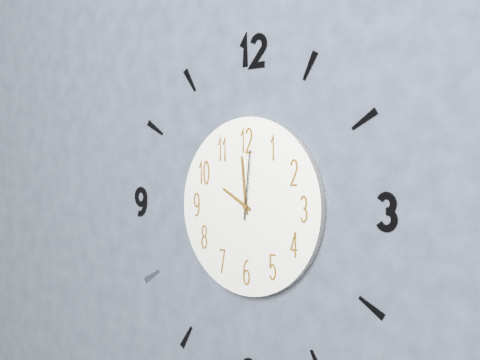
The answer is 9h59m01s
